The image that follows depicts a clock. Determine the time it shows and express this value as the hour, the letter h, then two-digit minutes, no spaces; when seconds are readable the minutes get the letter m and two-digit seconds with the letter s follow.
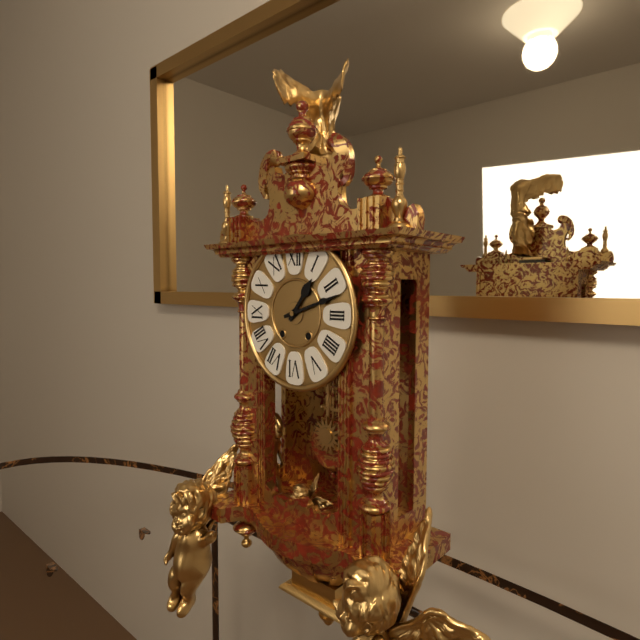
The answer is 1h12
